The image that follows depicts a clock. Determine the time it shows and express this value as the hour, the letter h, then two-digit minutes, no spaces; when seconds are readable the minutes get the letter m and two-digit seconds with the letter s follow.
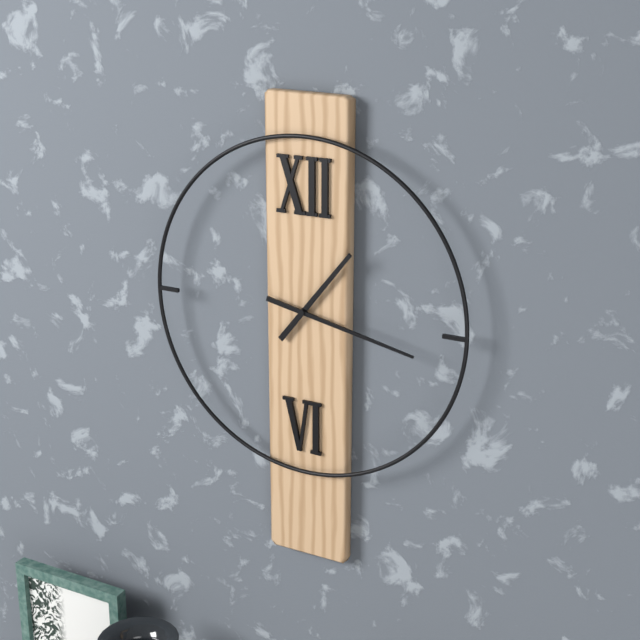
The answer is 1h17
